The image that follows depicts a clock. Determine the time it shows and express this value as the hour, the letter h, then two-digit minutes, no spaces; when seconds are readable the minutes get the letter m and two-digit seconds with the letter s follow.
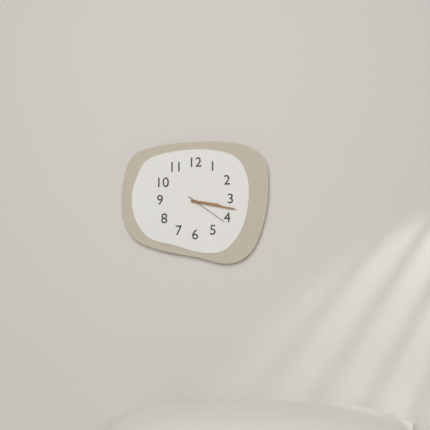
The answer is 3h17
